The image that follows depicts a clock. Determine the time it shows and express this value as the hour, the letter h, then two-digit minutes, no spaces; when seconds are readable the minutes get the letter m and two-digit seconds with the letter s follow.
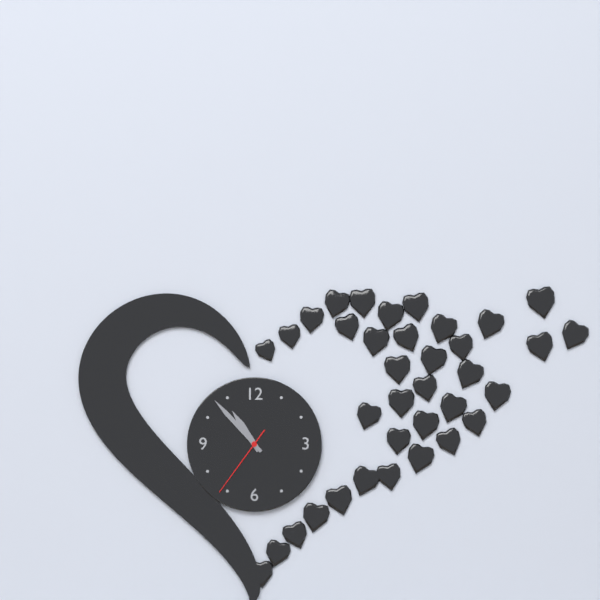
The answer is 10h53m36s
